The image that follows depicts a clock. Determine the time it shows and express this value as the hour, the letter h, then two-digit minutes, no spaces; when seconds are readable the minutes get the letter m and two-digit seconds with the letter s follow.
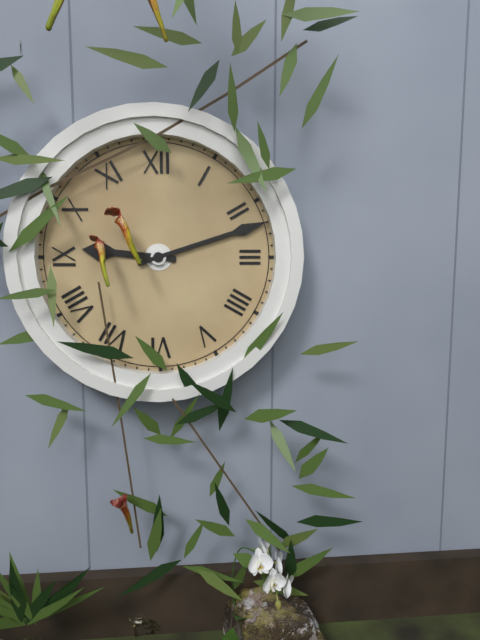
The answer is 9h12
